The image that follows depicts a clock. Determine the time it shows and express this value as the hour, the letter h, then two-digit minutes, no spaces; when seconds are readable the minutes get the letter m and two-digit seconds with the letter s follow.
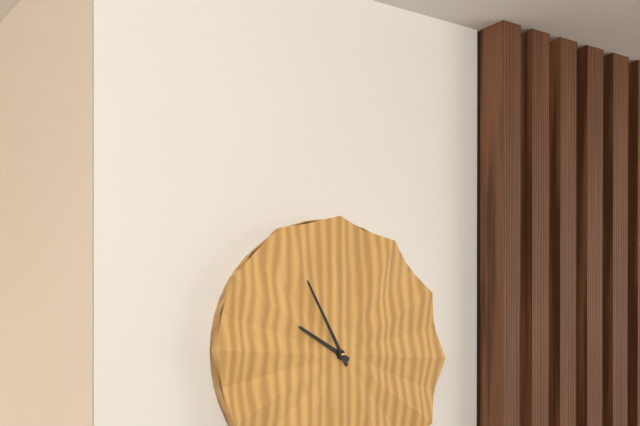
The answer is 9h55
